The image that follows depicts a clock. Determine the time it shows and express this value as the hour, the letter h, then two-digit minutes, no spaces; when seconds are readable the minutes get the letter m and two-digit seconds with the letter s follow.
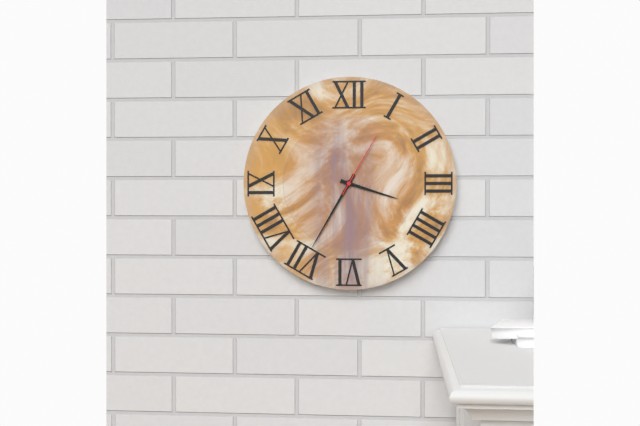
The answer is 3h35m05s
